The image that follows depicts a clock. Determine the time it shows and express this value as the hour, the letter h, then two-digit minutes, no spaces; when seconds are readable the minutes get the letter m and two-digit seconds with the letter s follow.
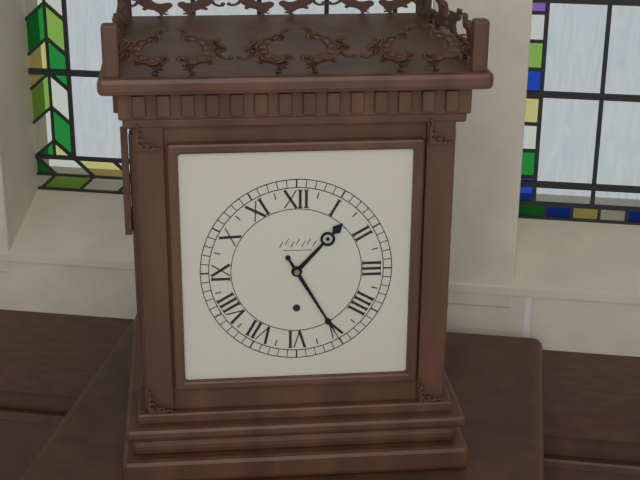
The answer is 1h25
